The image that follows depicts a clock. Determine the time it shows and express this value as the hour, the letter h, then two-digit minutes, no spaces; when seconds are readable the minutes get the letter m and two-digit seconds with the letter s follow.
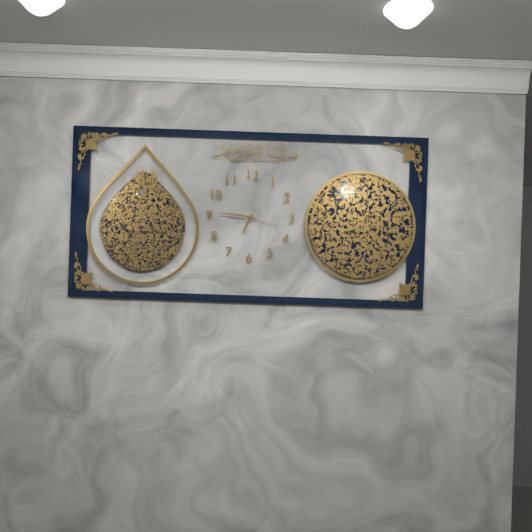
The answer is 6h46
